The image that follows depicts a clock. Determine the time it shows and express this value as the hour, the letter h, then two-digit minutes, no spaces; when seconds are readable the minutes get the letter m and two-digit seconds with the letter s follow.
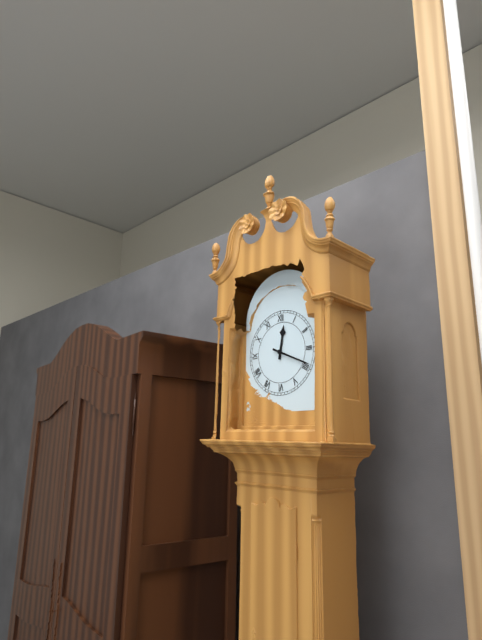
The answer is 12h19
